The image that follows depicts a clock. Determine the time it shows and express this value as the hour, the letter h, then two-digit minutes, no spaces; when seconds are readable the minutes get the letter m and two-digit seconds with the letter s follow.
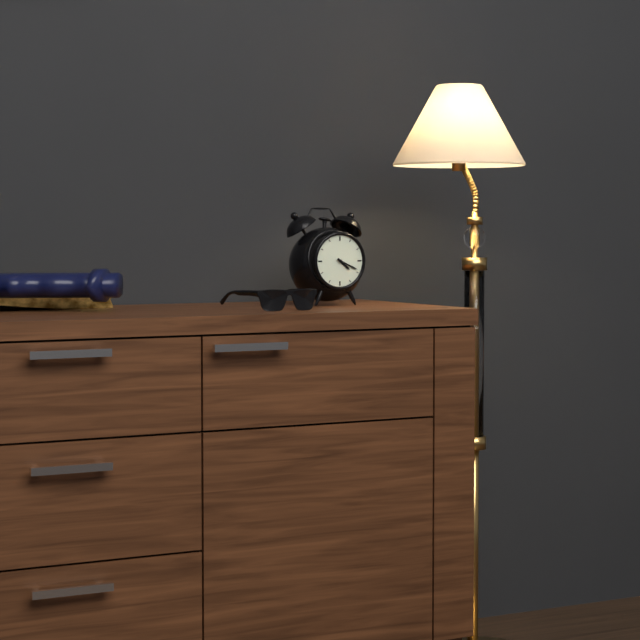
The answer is 4h19
